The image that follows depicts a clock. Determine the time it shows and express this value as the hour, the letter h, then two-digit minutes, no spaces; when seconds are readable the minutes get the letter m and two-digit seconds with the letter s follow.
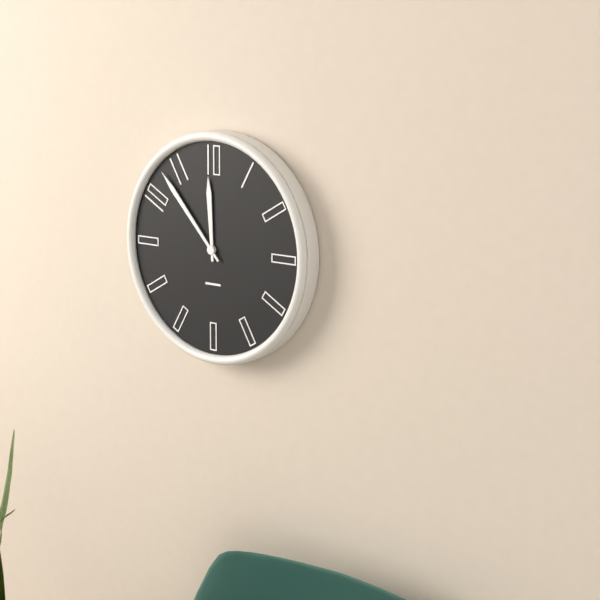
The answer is 11h53
